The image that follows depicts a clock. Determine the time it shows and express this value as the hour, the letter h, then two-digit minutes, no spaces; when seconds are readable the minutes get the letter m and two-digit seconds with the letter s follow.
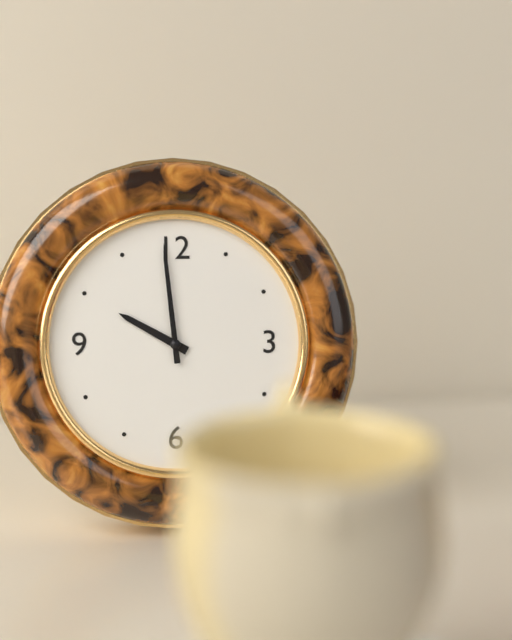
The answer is 9h59
